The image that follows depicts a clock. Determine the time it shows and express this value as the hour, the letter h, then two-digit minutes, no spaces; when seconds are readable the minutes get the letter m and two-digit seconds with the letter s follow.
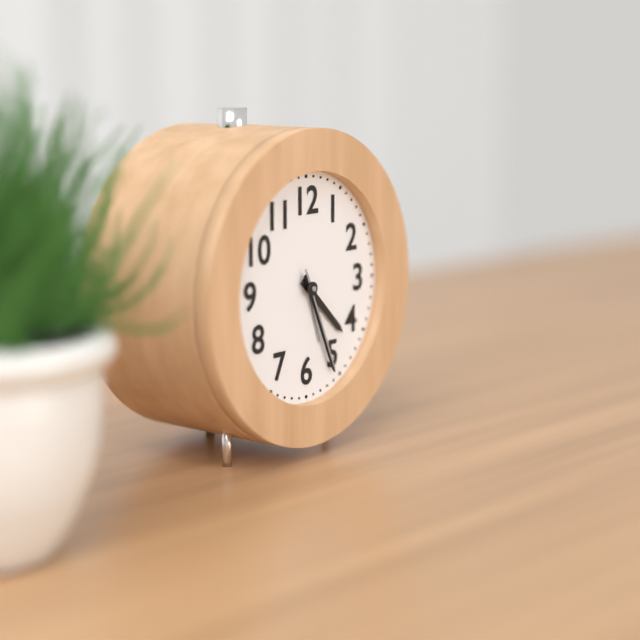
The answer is 4h26m26s
